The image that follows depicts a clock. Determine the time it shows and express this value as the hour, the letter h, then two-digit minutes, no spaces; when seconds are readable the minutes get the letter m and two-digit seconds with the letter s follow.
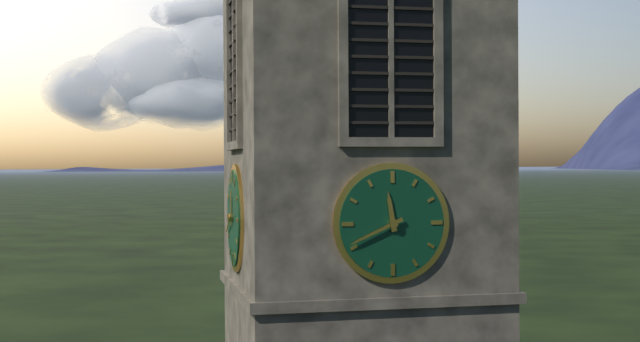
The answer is 11h41
